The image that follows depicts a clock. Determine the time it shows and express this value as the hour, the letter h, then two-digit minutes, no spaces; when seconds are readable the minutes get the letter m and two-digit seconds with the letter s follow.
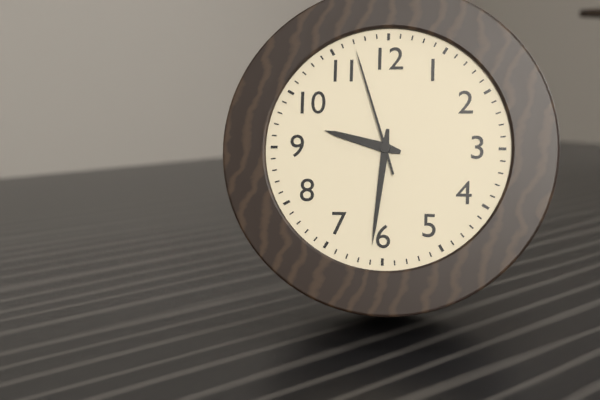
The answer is 9h31m57s
